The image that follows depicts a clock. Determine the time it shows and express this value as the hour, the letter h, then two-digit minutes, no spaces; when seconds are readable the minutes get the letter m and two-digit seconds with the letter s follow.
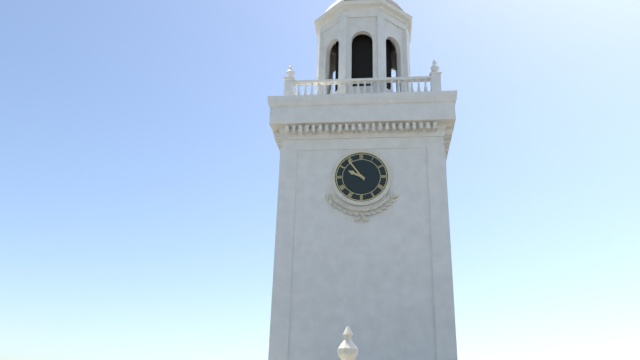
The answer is 9h54
